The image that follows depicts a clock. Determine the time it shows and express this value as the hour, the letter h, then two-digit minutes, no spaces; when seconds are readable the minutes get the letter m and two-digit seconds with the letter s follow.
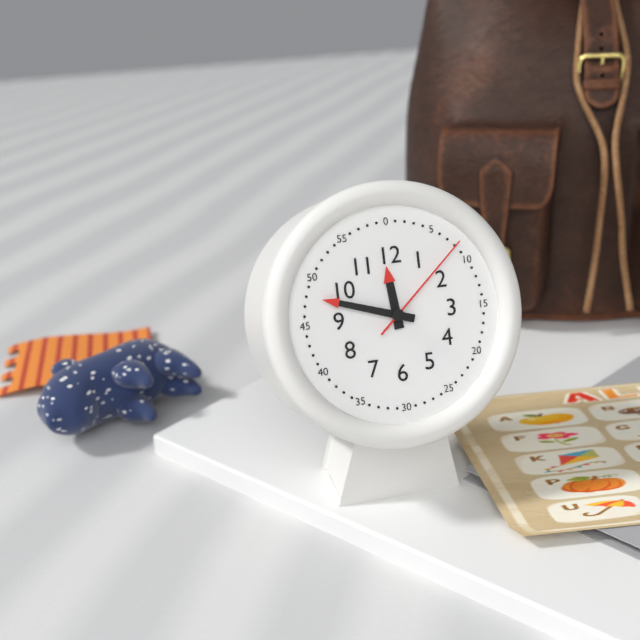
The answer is 11h48m08s
